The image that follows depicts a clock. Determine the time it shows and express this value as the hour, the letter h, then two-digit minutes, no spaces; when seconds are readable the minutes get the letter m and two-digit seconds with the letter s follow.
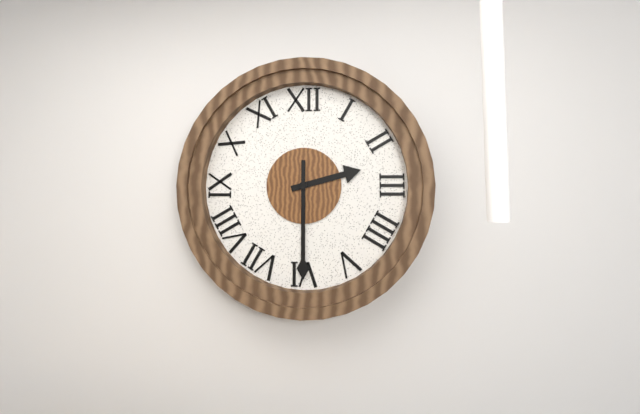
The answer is 2h30
